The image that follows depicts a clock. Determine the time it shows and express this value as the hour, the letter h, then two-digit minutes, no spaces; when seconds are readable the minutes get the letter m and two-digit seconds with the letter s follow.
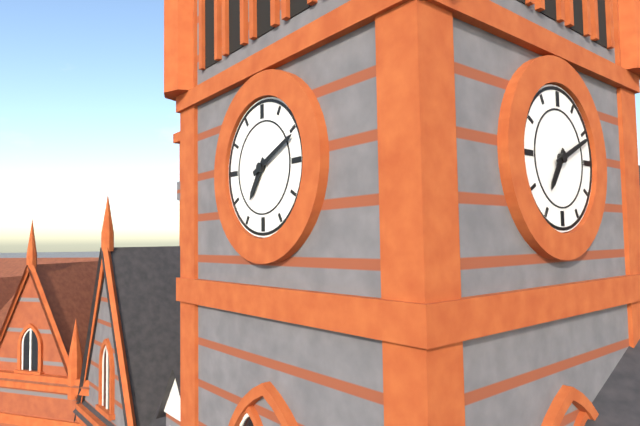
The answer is 7h11
